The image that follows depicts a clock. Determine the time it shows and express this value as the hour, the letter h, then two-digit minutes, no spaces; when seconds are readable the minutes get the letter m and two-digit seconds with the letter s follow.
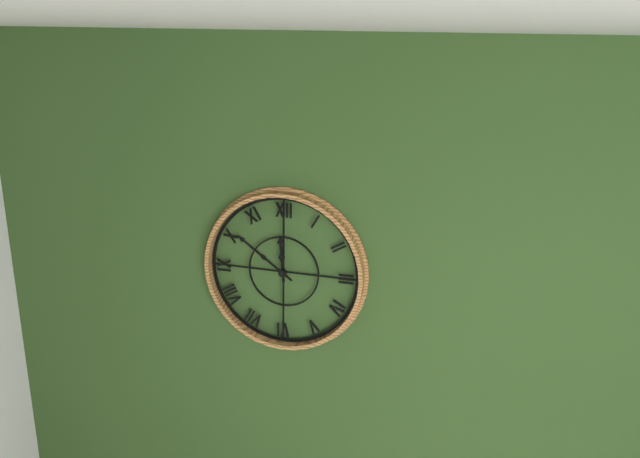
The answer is 11h51
